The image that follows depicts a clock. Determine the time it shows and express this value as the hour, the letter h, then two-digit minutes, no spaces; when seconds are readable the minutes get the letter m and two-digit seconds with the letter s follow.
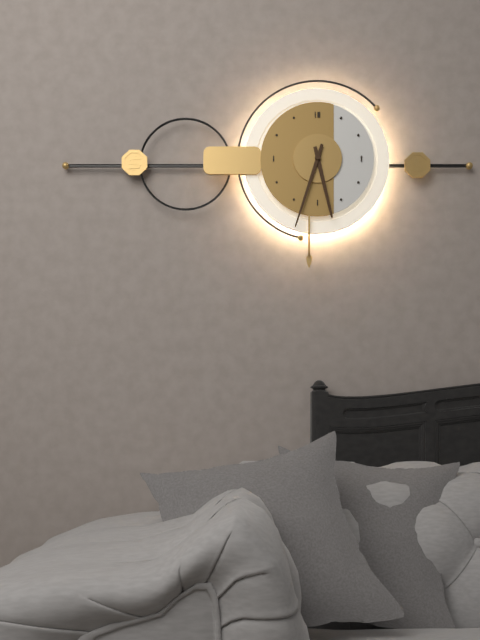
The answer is 5h33
